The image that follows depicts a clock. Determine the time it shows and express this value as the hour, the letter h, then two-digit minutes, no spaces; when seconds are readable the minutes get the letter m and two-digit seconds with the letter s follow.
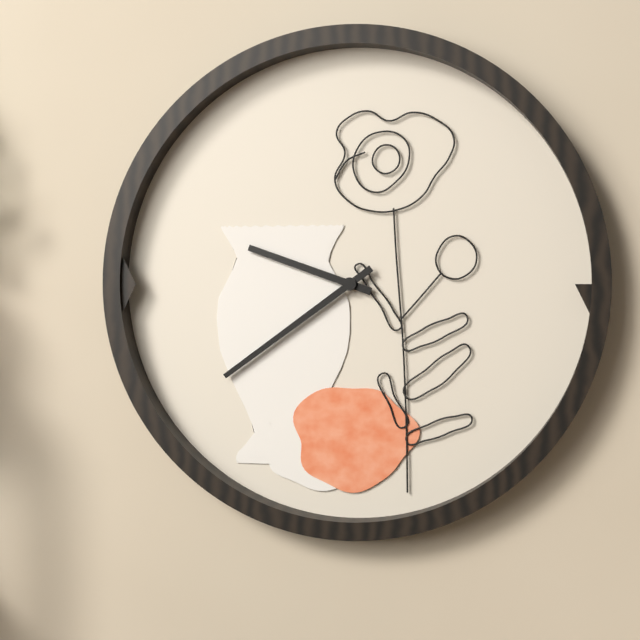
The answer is 9h39
